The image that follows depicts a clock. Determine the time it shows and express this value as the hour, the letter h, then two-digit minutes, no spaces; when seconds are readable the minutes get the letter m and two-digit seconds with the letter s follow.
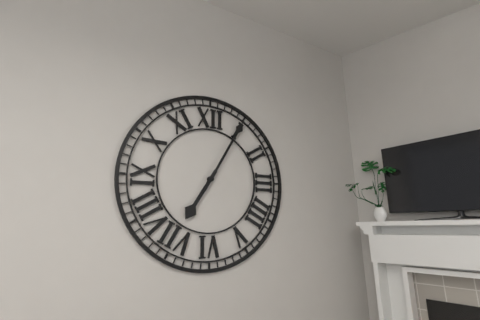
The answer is 7h05
